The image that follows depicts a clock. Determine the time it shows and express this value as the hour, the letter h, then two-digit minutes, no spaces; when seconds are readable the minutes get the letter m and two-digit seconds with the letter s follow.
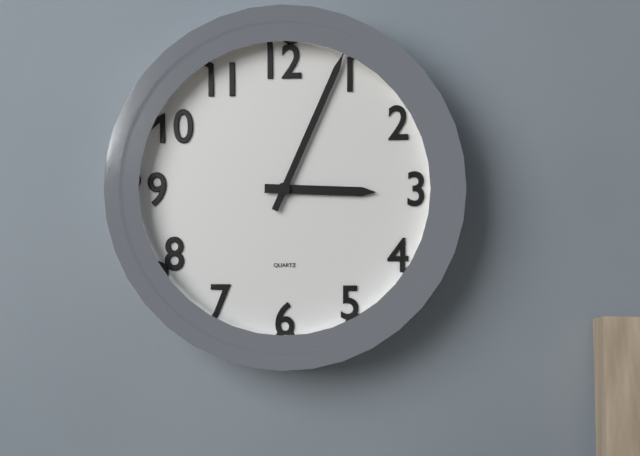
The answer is 3h04
